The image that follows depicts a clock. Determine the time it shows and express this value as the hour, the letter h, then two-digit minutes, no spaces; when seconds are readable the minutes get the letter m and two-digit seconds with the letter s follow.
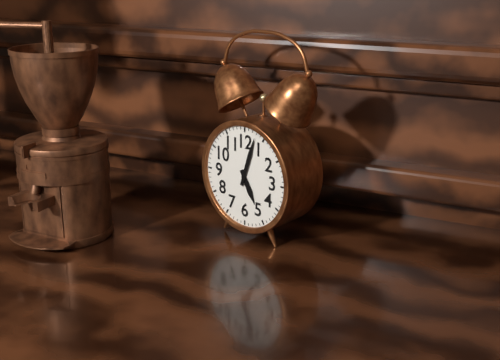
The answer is 5h03
